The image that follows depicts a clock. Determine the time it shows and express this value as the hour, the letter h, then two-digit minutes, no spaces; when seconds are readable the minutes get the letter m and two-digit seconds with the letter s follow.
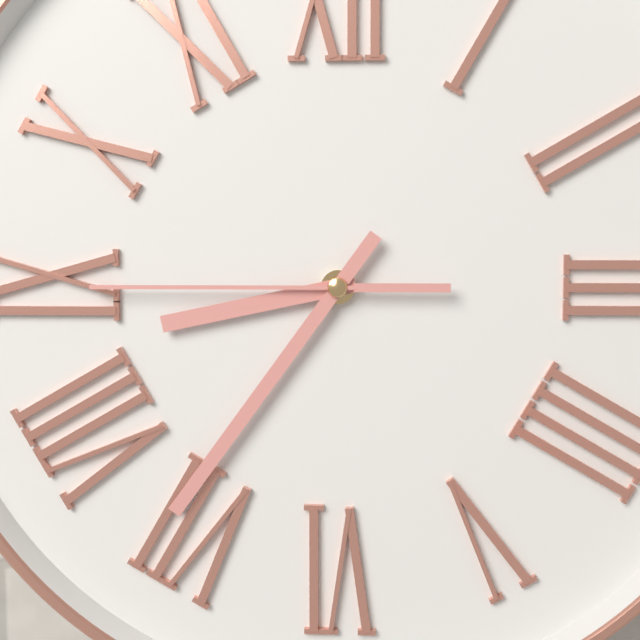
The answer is 8h36m45s
